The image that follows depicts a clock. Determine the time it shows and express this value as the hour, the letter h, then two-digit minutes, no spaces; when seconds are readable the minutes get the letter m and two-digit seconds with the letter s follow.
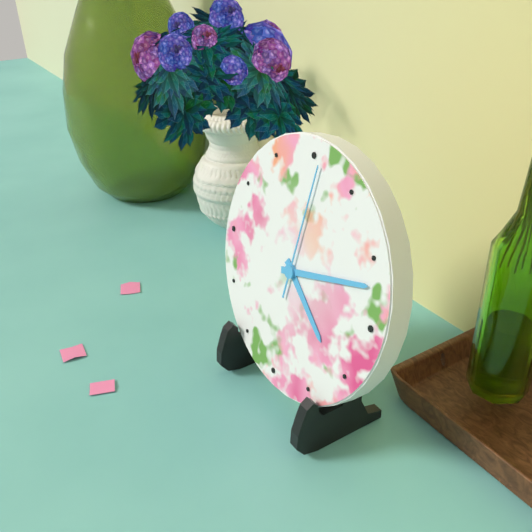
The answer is 4h12m01s
